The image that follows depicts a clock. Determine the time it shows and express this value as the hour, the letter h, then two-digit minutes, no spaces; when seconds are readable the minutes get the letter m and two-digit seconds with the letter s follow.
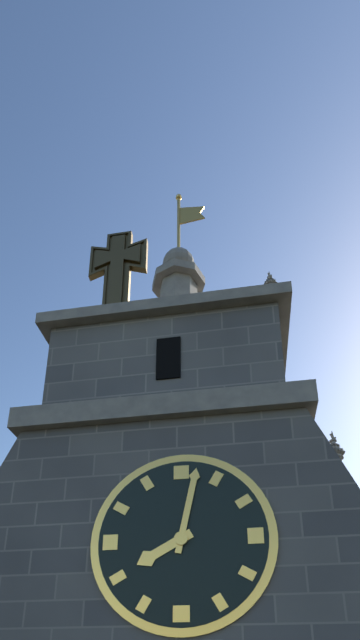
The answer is 8h02
